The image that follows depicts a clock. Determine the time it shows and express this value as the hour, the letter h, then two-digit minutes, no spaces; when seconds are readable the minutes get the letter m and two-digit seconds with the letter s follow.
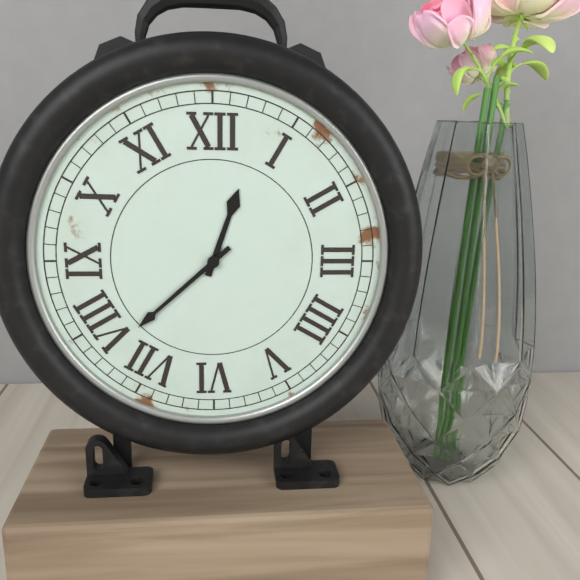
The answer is 12h38
